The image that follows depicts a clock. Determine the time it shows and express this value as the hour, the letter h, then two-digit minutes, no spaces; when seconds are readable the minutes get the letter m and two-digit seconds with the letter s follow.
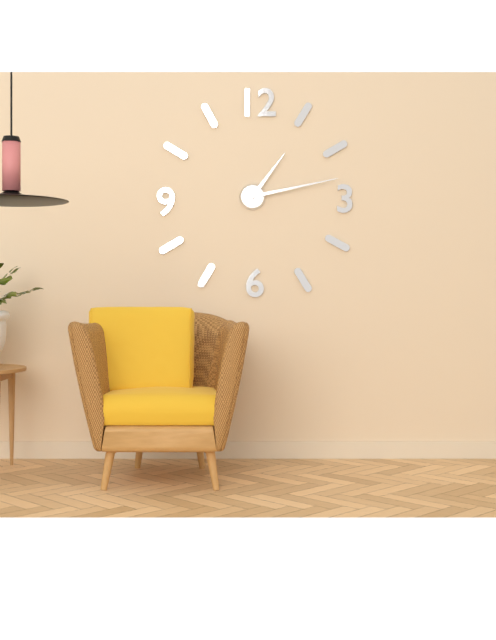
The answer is 1h13
